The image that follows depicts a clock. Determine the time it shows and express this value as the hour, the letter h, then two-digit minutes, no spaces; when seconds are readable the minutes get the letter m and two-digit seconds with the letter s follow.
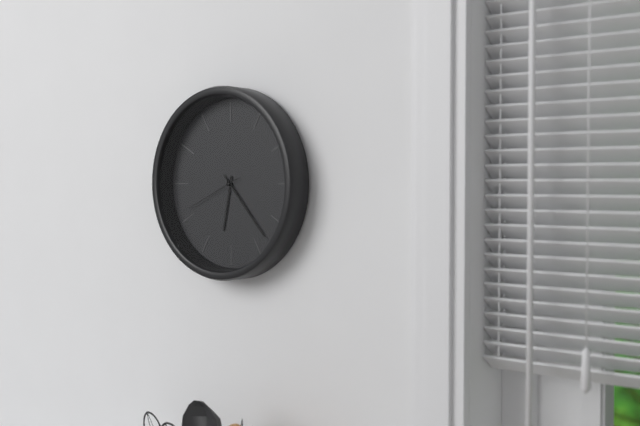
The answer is 6h23m41s
